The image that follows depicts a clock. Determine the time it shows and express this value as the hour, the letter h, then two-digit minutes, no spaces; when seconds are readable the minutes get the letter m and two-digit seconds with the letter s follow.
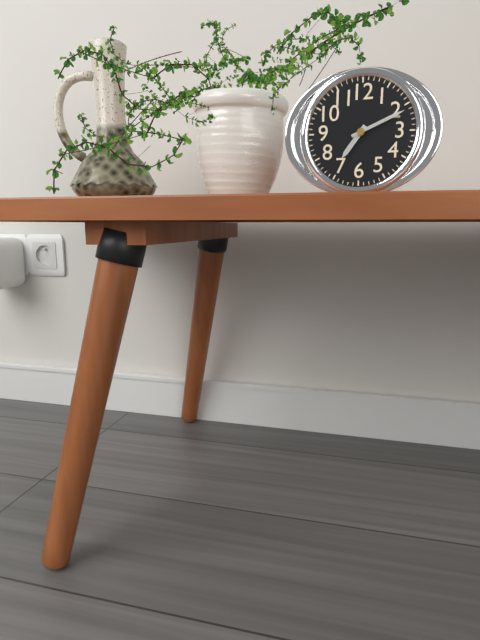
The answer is 7h11
